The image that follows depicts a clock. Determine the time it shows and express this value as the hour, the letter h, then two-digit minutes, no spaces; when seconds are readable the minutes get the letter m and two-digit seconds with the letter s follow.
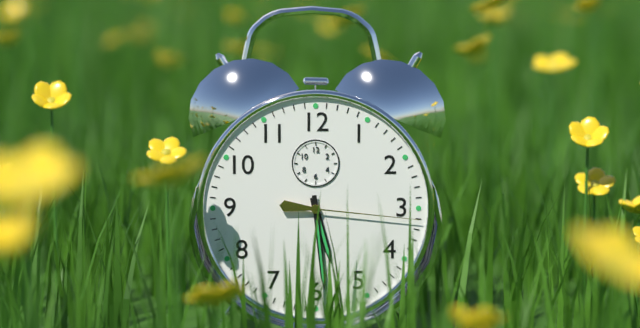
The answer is 5h29m16s
